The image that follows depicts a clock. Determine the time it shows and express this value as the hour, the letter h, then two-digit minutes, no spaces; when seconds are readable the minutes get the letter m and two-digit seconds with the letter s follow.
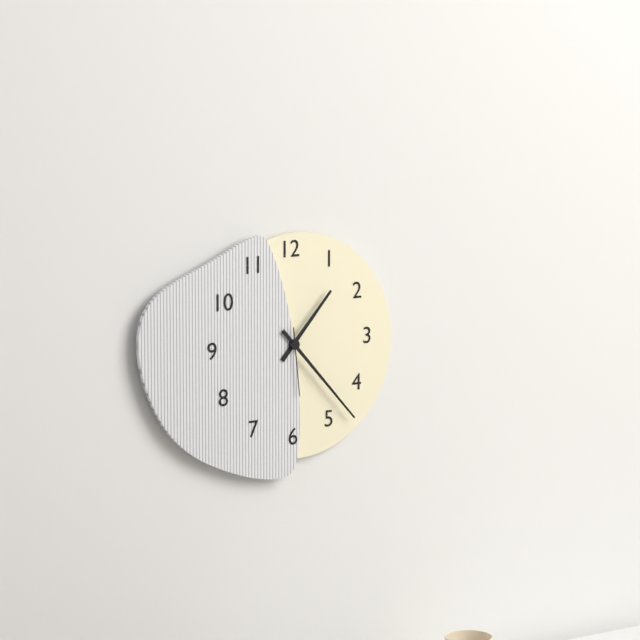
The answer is 1h23m29s
